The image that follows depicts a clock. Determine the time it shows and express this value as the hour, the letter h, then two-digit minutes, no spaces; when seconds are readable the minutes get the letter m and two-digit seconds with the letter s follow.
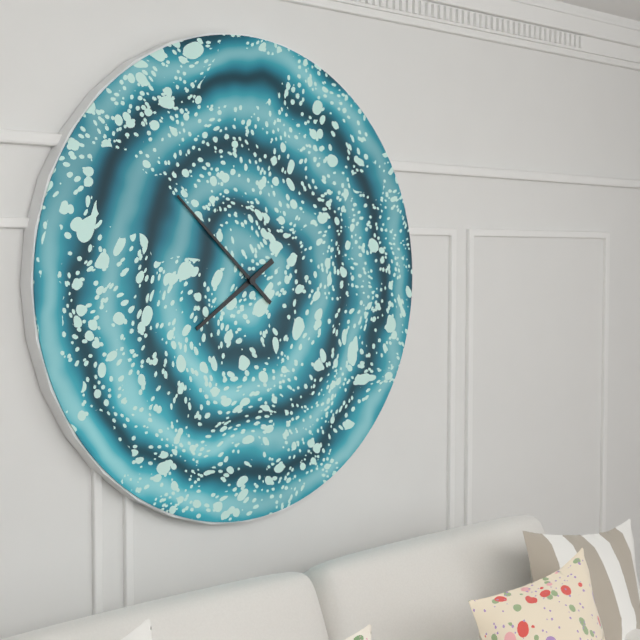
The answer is 7h52
